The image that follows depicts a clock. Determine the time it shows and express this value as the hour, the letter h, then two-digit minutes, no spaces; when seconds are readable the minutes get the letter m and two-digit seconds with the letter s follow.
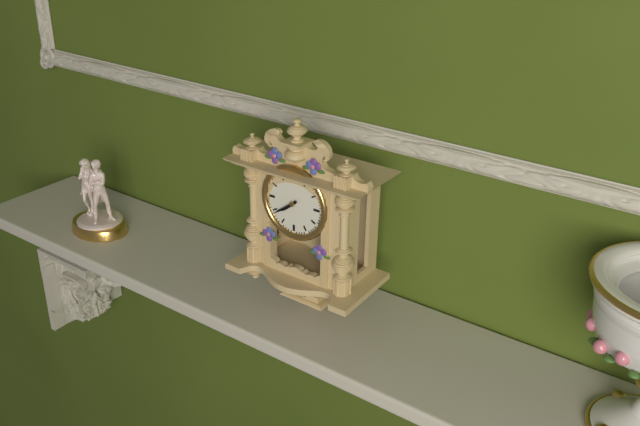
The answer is 7h39
